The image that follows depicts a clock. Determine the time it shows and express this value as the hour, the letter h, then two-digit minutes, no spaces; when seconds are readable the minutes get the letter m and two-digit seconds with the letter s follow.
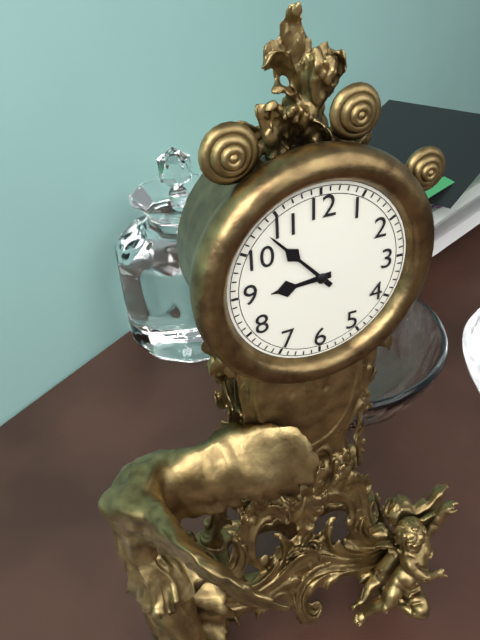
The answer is 8h53
